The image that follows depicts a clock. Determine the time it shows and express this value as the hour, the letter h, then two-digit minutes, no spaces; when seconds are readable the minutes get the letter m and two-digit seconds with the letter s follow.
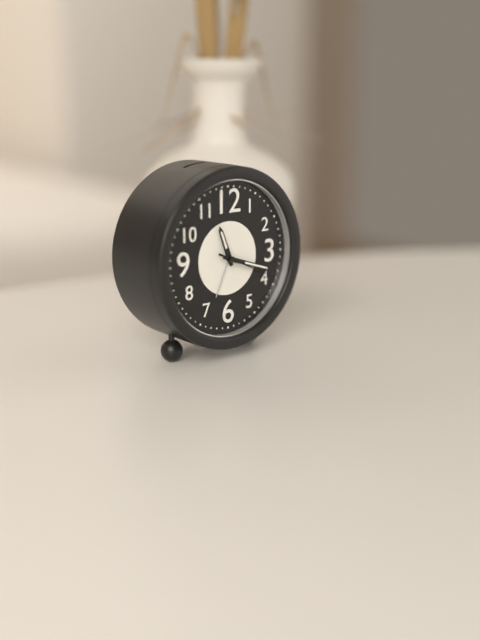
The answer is 11h18m19s
